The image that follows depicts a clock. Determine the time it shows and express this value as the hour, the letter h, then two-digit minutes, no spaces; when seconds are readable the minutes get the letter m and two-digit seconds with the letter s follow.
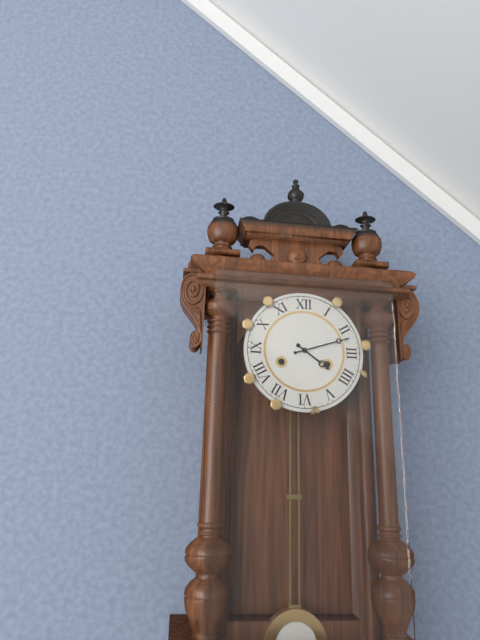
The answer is 4h12
